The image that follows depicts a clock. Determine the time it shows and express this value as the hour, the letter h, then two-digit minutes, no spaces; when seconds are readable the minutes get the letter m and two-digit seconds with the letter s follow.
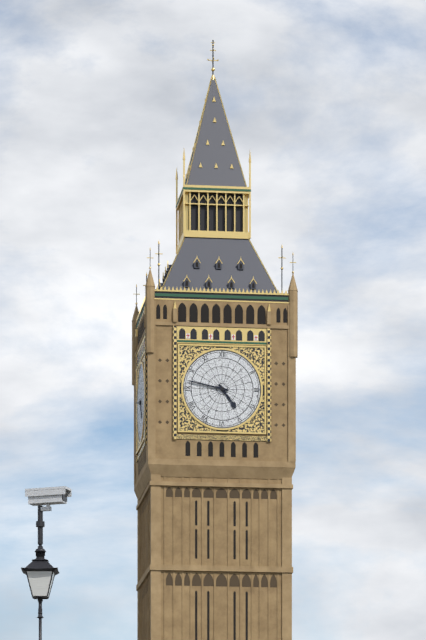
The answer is 4h47
